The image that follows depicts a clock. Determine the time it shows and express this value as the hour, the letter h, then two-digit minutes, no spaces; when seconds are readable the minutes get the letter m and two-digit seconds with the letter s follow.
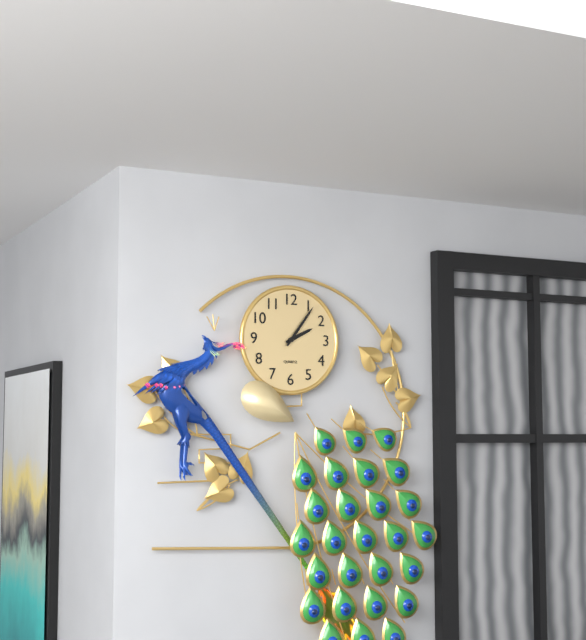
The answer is 2h06
